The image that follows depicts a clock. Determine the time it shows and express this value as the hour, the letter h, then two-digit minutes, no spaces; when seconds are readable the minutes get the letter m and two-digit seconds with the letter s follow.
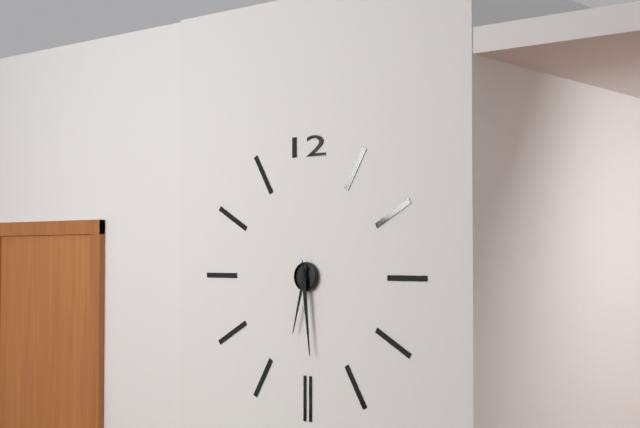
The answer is 6h29
